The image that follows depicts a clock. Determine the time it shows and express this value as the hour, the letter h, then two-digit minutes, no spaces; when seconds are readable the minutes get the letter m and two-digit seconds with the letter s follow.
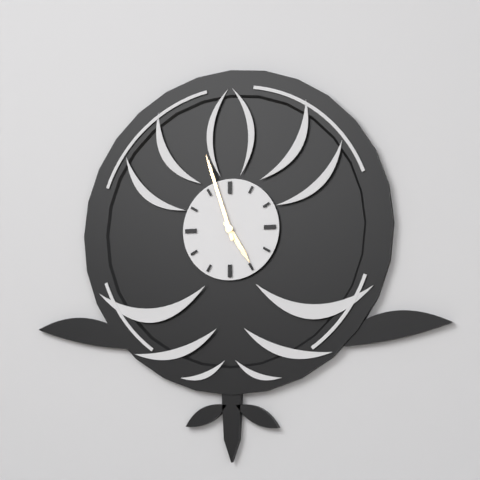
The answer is 4h57
